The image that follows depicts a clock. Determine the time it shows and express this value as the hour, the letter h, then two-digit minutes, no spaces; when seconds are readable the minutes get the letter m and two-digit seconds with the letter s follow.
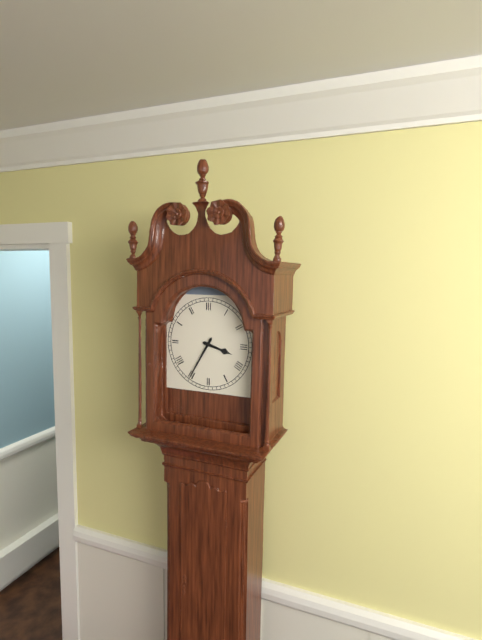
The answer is 3h35
